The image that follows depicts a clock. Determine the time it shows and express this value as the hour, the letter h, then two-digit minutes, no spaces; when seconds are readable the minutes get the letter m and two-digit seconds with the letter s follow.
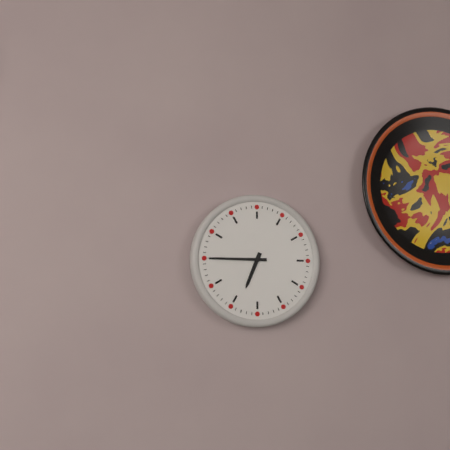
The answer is 6h45
